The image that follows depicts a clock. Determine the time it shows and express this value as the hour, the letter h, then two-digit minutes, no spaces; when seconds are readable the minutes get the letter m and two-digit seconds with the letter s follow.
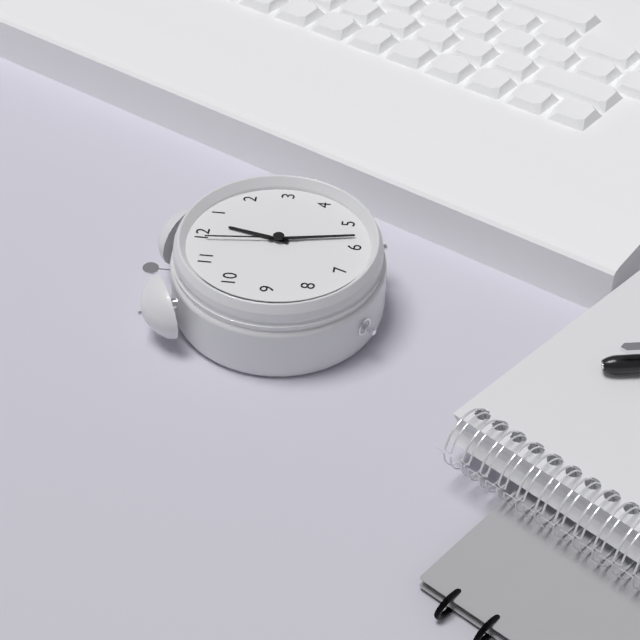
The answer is 12h28m59s
